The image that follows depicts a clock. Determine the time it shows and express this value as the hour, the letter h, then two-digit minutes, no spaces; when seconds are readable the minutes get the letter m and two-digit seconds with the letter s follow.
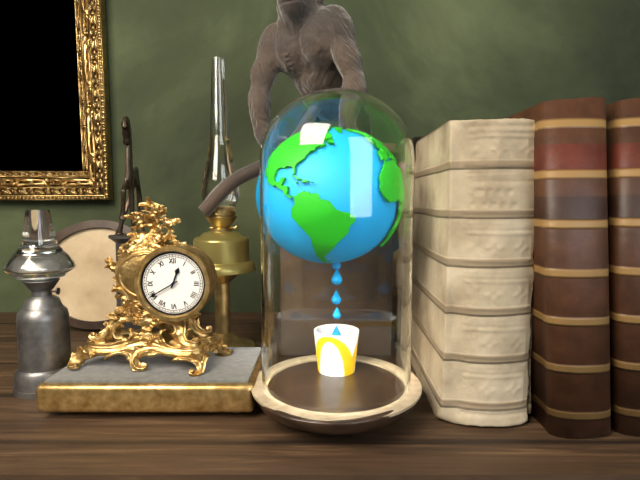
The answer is 12h40
